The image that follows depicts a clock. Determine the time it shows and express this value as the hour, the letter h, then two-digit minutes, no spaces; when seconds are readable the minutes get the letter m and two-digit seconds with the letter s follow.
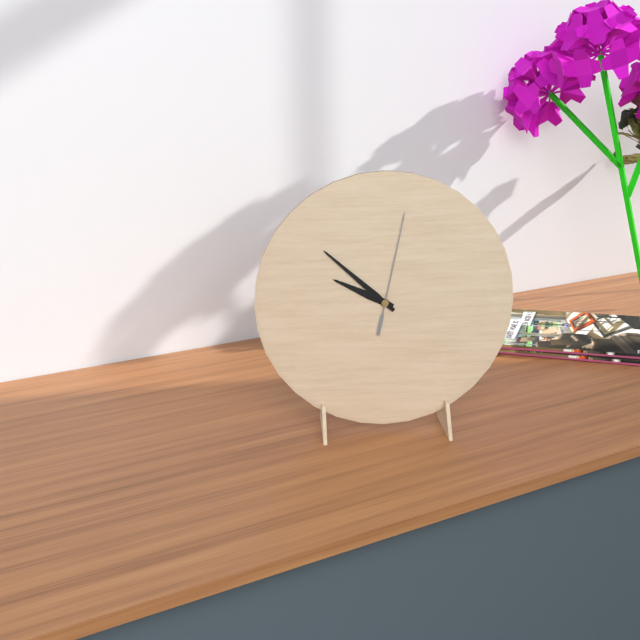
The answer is 9h52m02s
